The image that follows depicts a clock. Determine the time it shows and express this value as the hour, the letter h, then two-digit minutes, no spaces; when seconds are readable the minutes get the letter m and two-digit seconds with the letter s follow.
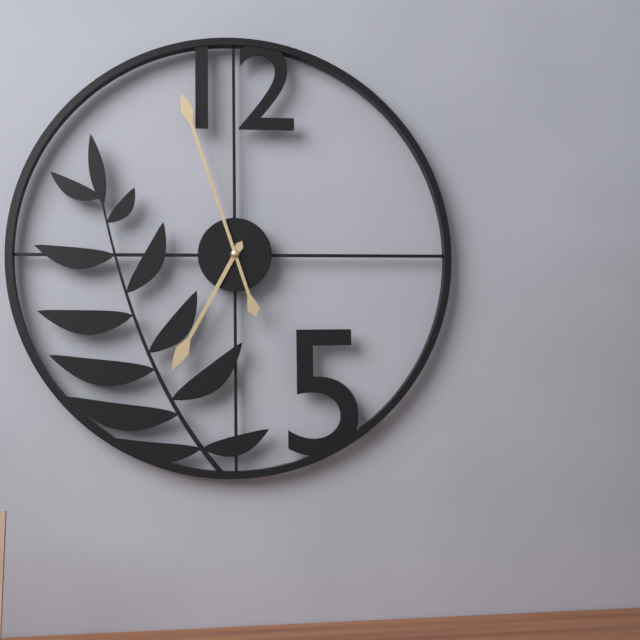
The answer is 6h57
